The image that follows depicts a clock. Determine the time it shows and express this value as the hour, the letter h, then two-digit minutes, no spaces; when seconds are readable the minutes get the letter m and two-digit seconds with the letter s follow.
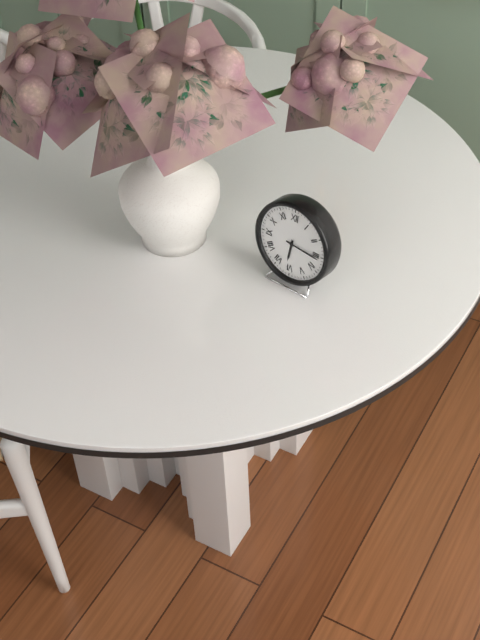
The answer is 6h16
